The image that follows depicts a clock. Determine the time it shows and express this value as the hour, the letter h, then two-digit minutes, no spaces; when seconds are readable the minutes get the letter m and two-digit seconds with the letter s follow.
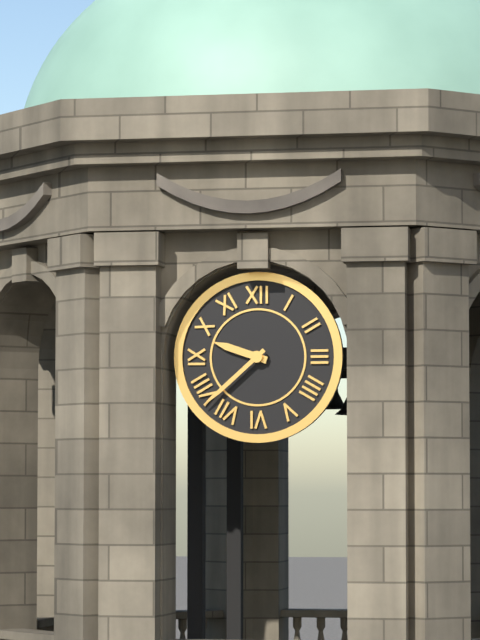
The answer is 9h38
